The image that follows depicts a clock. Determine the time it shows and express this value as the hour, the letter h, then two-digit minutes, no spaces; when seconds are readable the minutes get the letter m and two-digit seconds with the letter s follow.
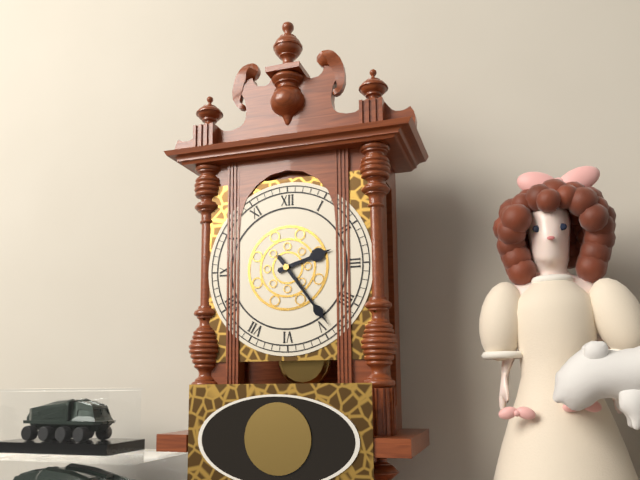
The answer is 2h24
